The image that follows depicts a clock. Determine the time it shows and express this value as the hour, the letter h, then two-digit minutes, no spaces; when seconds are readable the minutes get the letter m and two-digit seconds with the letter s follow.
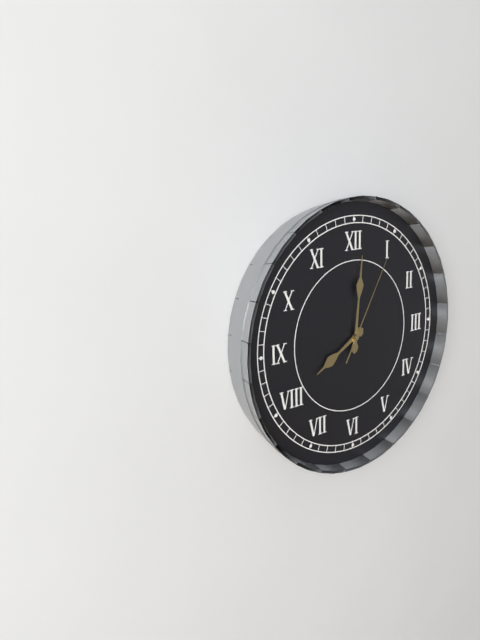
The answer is 8h01m05s
